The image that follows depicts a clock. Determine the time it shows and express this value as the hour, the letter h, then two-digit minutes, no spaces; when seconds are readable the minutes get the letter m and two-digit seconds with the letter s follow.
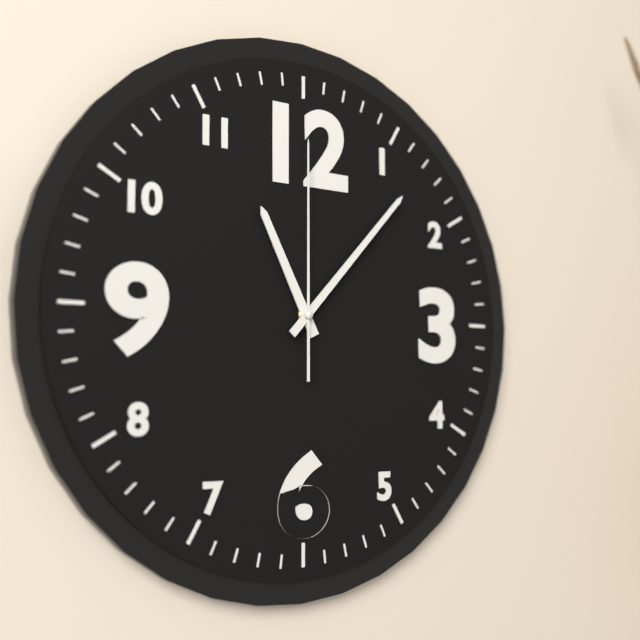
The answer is 11h07m00s
